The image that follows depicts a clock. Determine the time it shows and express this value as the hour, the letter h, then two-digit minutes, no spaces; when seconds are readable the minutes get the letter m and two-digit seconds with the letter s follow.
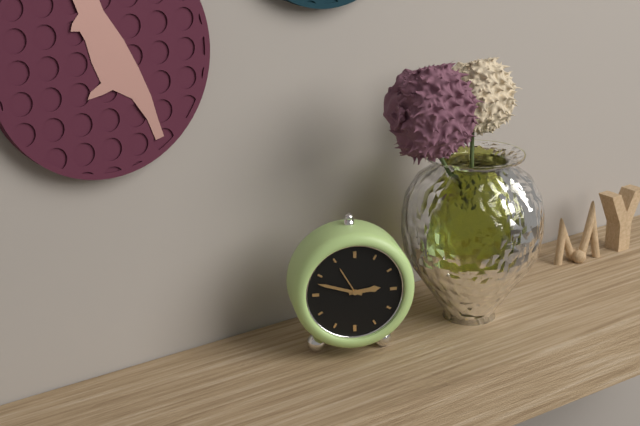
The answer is 2h48
